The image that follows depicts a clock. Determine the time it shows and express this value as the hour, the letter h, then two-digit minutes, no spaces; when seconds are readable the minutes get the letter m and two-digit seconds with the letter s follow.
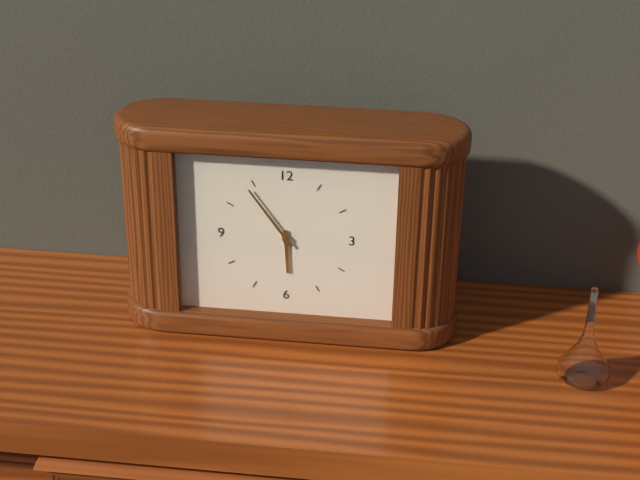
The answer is 5h54
